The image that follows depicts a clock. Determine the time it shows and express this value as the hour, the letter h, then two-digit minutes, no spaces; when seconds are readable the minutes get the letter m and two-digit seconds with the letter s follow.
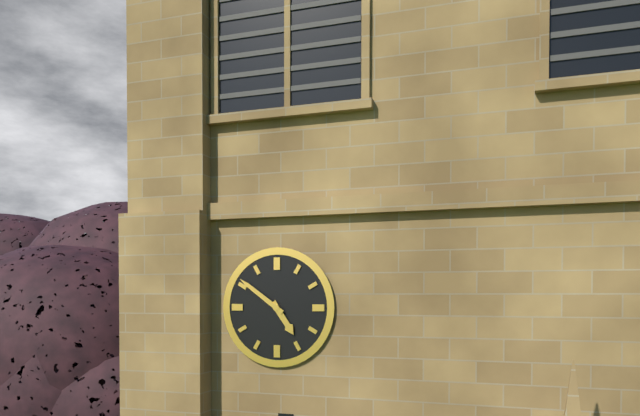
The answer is 4h51
